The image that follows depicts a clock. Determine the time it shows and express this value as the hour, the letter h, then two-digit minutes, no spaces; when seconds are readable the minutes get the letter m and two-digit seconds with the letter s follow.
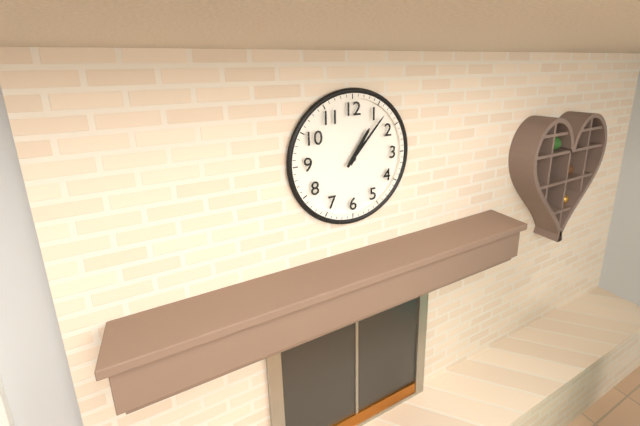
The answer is 1h07
